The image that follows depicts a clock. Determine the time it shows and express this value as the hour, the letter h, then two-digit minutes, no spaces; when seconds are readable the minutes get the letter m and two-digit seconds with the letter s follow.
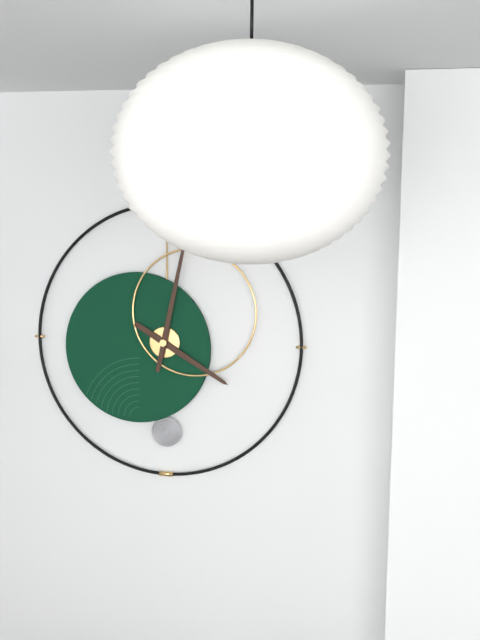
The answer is 4h02
